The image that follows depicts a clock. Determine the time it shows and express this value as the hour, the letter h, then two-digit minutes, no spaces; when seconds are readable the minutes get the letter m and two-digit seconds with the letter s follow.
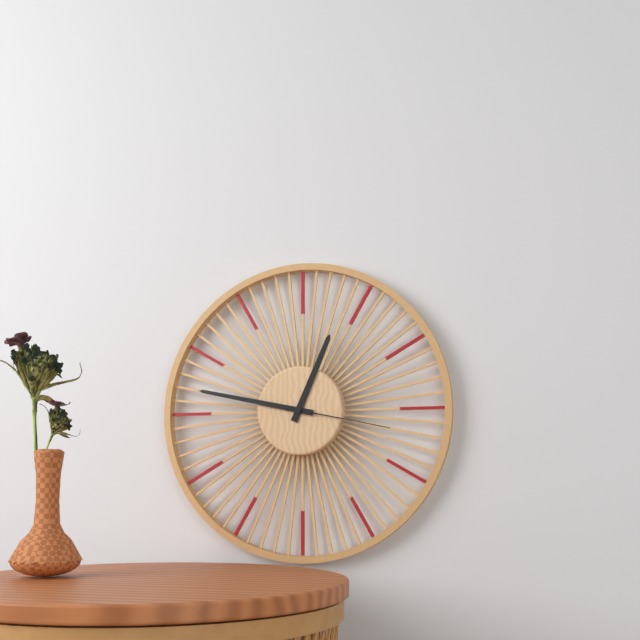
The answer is 12h47m17s
